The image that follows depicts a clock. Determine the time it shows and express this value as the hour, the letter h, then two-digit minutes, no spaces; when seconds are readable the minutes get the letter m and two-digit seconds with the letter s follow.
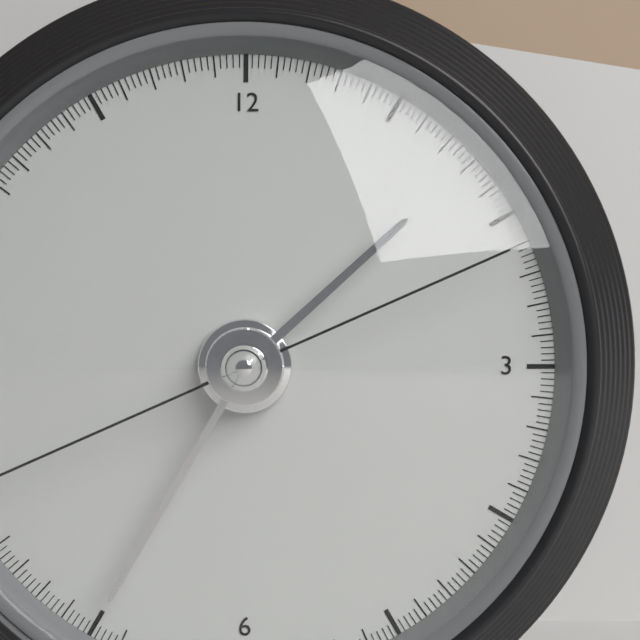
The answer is 1h35
